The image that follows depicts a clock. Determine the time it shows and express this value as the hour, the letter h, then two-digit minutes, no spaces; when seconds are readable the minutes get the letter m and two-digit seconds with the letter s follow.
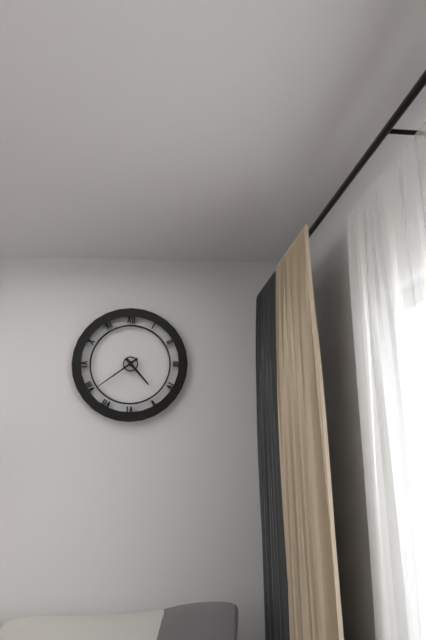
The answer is 4h39
